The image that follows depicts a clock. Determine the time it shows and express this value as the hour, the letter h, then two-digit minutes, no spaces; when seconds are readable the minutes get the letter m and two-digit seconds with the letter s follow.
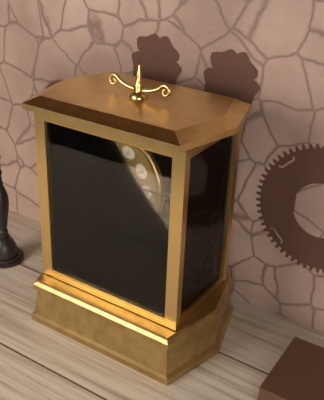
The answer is 10h55
